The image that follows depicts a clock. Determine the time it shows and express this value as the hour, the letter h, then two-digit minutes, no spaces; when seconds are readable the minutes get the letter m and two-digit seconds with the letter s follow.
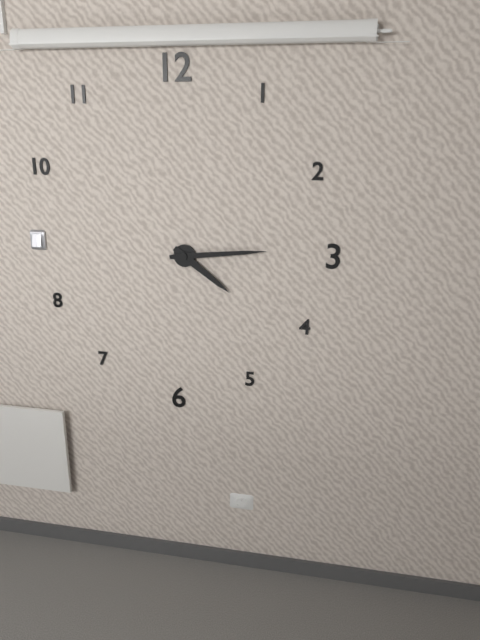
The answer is 4h14
